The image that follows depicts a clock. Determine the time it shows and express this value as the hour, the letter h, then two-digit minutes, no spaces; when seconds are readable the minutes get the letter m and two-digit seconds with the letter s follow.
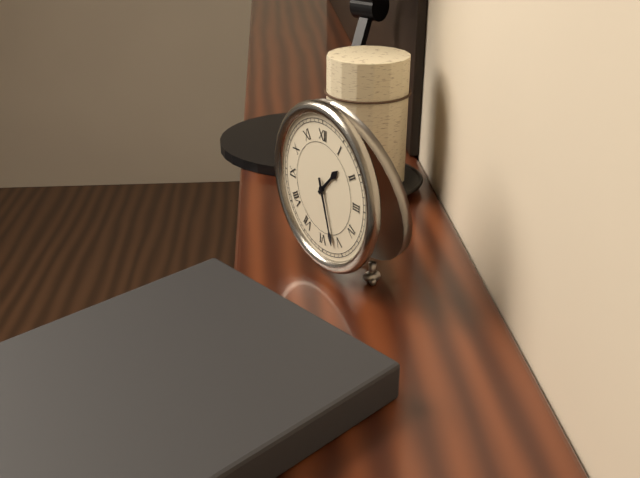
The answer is 1h27
